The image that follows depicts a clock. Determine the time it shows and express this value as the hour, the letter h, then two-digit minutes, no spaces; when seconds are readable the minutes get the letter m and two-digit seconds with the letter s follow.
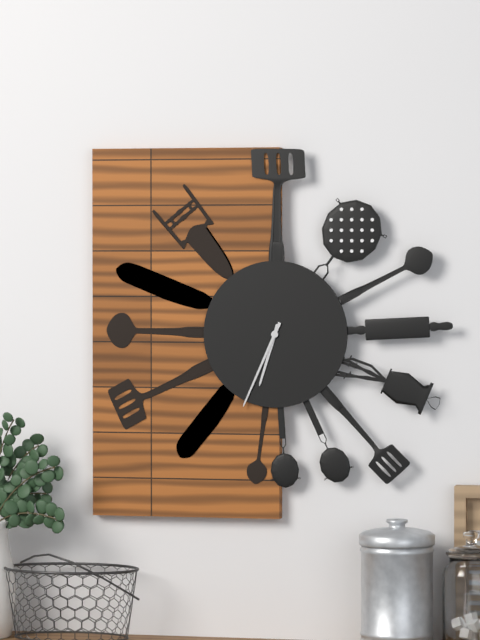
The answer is 6h34
